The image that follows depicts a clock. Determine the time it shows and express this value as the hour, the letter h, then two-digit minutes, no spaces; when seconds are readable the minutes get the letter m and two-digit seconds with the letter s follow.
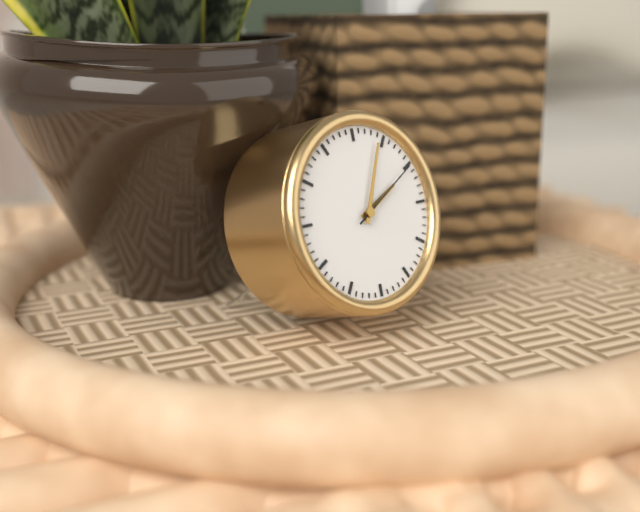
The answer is 2h04m10s
